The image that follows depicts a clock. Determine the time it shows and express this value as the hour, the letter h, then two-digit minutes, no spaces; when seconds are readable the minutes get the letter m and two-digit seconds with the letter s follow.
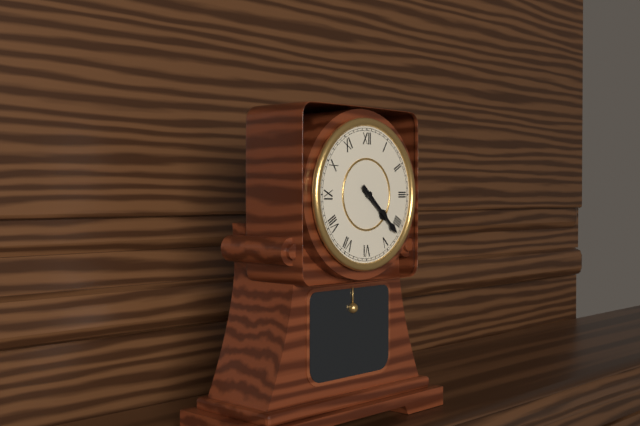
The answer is 4h22
